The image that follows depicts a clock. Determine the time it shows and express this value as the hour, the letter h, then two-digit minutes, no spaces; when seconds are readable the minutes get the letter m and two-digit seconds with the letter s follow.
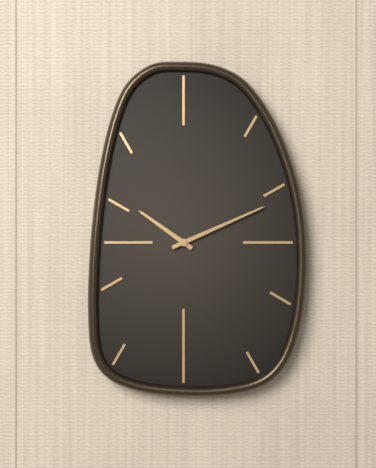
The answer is 10h11
